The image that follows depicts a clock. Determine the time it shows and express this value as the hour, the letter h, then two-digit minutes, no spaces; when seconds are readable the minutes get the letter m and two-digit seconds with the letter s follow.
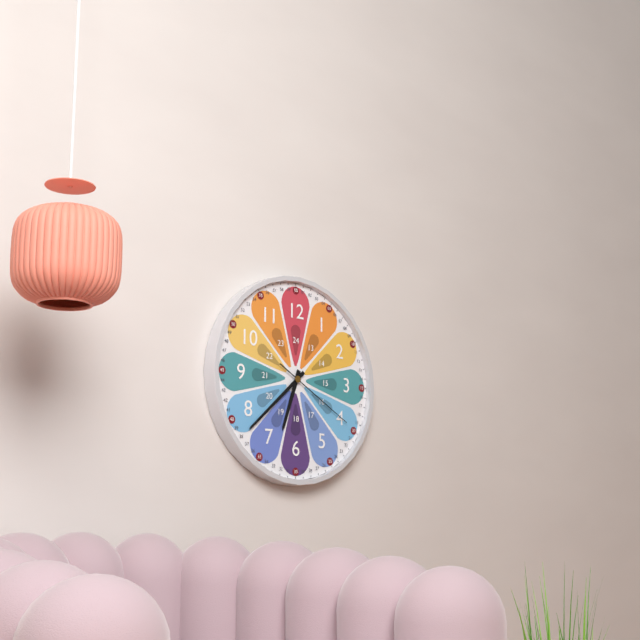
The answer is 6h38m20s
